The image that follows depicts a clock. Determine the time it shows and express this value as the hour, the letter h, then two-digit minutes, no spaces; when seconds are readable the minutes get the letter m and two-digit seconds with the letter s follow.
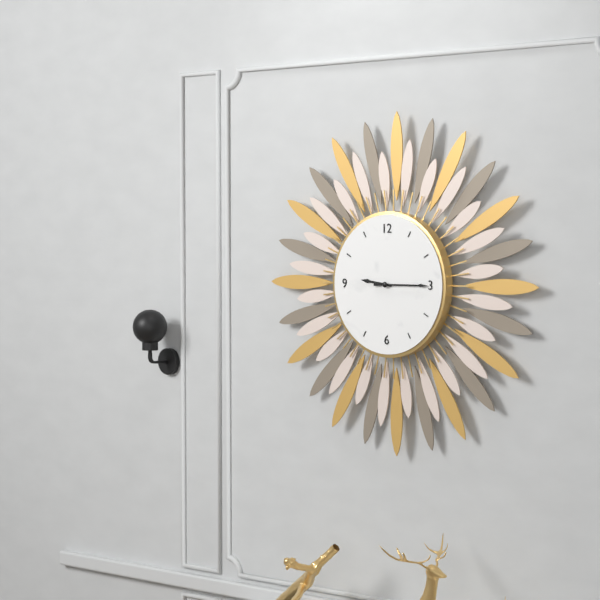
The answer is 9h15
